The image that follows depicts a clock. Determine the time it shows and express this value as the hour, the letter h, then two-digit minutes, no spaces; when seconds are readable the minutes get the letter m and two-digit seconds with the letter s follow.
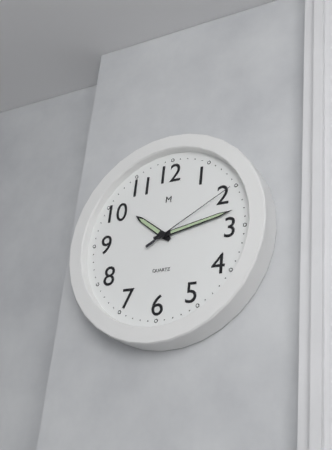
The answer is 10h13m10s
